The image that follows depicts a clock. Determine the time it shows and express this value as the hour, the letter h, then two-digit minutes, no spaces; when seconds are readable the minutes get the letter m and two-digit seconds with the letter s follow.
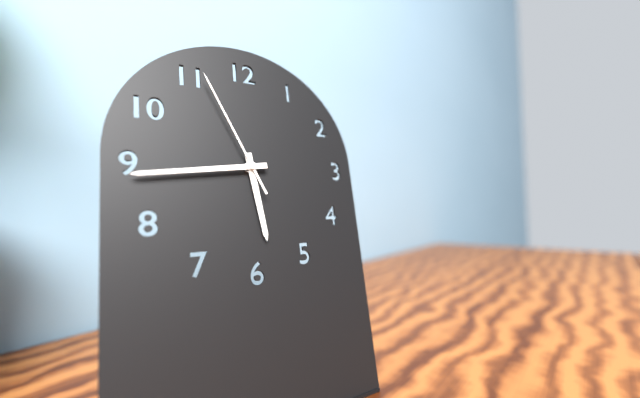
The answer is 5h44m56s
